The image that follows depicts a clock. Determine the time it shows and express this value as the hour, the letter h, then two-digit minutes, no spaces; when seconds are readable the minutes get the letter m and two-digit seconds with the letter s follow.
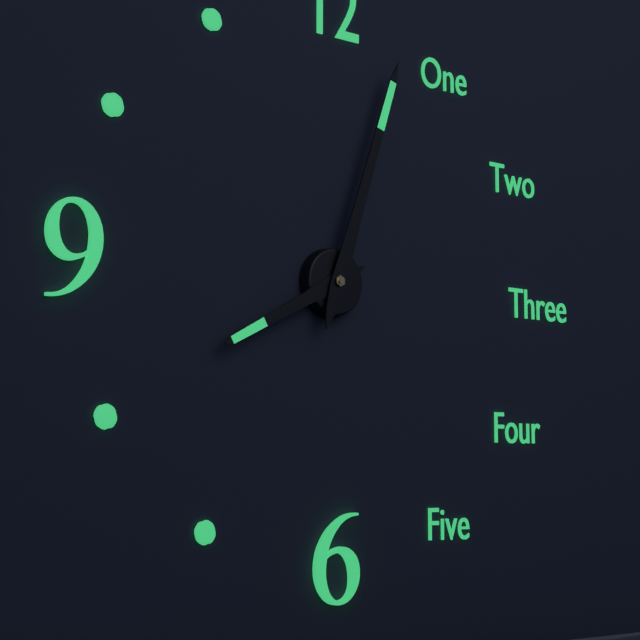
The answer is 8h03
